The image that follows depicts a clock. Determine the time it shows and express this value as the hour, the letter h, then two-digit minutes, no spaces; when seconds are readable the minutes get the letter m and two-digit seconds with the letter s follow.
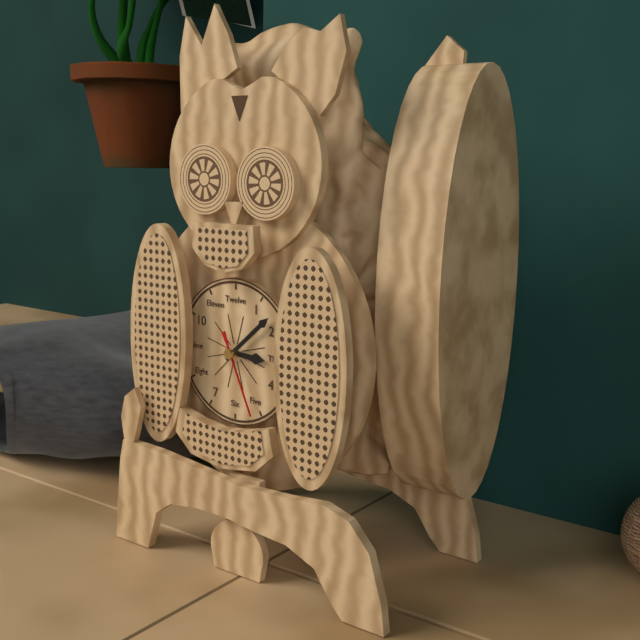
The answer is 3h08m26s
